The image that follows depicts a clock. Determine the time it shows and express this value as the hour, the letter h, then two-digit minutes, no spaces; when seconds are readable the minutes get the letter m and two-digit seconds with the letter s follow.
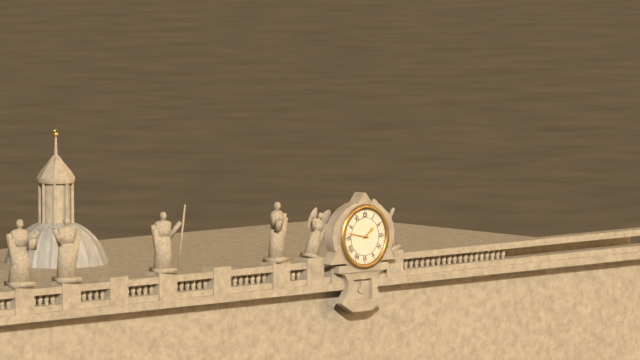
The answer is 1h47
